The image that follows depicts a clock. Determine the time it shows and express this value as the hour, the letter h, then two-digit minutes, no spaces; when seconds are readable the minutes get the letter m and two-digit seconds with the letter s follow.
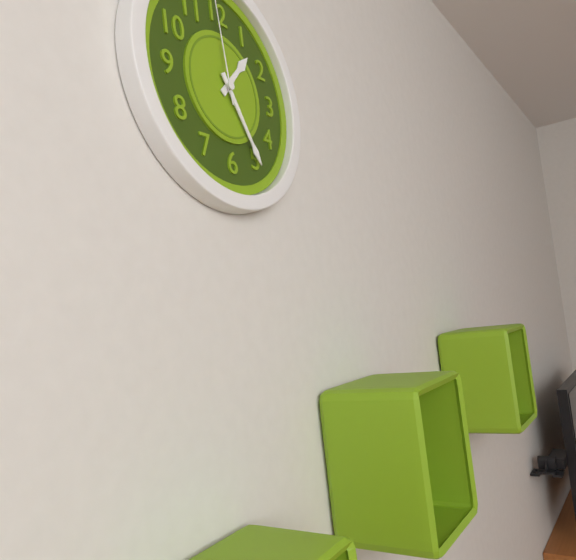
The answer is 1h25
